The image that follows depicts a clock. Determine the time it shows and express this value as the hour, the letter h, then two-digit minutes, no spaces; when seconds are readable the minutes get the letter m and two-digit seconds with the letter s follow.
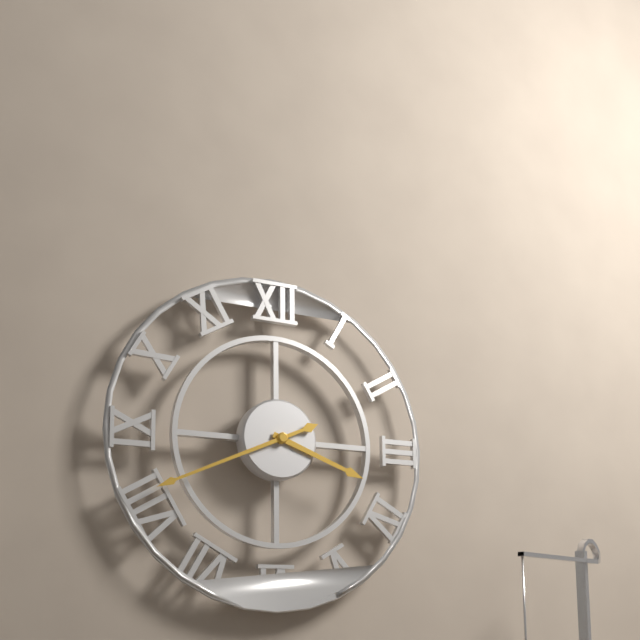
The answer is 3h41
